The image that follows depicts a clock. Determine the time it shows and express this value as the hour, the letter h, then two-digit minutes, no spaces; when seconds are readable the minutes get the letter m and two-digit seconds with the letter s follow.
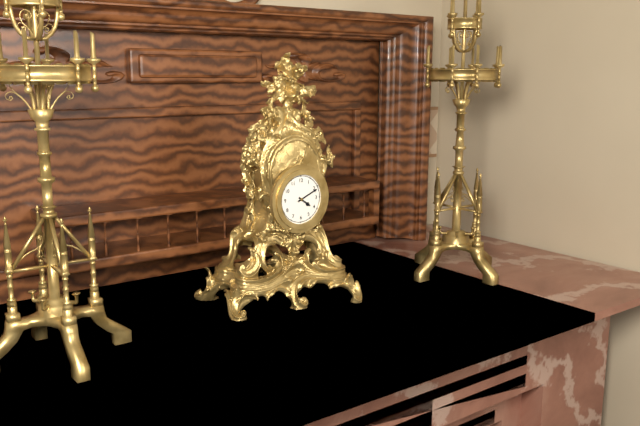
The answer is 4h11
